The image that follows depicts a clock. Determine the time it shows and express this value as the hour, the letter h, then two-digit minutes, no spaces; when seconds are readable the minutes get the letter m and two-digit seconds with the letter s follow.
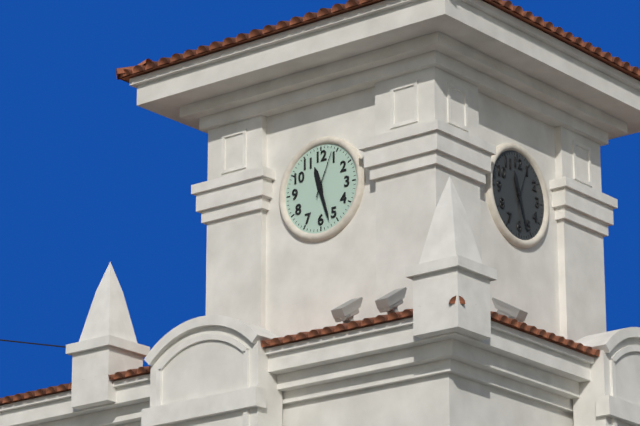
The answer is 11h27
